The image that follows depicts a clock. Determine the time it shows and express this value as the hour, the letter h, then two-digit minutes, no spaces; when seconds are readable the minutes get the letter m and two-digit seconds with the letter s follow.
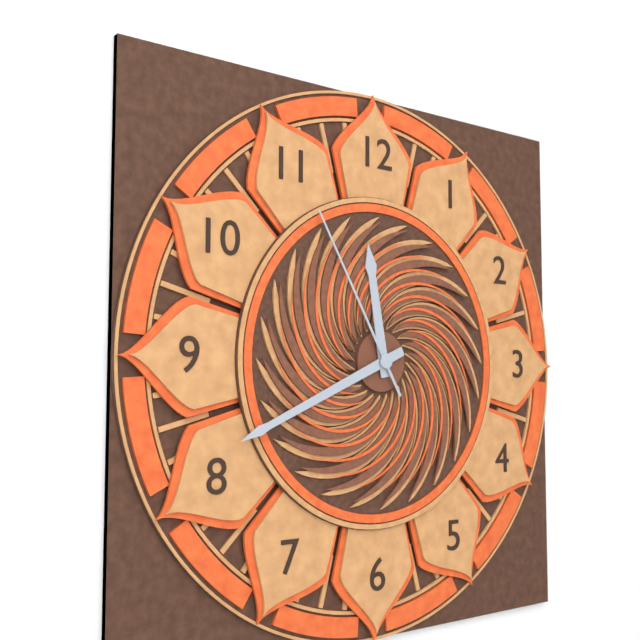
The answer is 11h41m55s
